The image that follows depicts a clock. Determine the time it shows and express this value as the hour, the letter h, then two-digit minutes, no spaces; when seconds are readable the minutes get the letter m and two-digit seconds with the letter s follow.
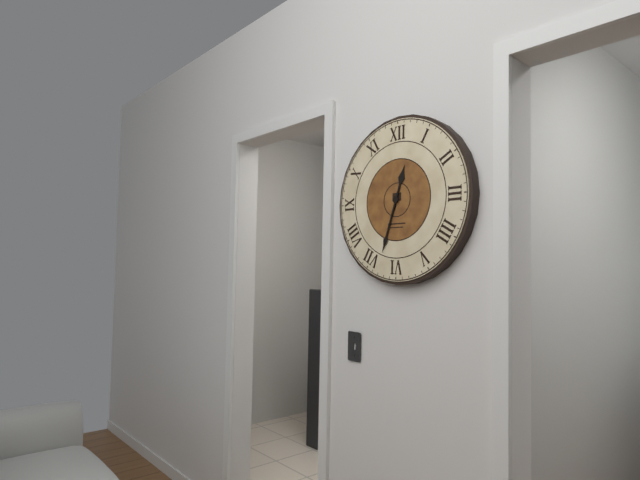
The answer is 12h33
